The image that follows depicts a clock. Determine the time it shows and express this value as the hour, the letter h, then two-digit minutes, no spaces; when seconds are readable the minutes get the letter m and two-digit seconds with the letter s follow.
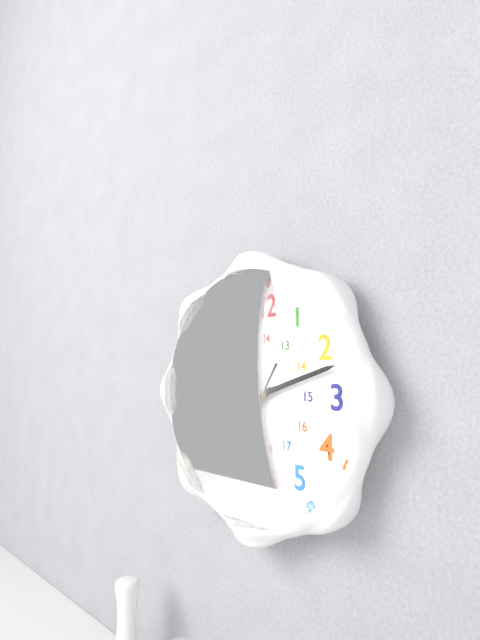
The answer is 8h12m36s
